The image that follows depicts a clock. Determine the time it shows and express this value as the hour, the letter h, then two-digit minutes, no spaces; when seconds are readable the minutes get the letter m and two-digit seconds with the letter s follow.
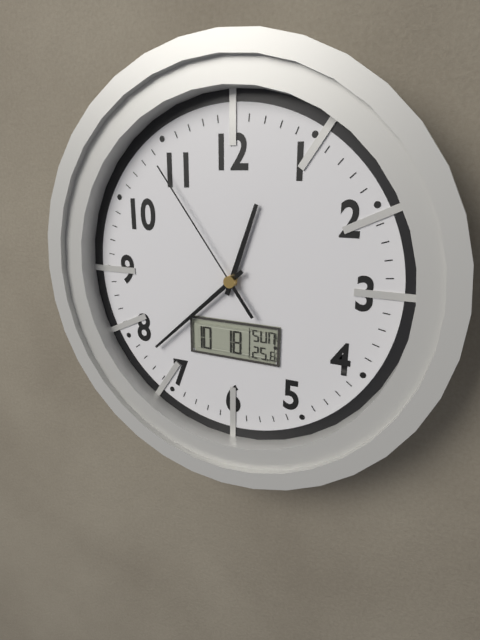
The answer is 12h38m54s
